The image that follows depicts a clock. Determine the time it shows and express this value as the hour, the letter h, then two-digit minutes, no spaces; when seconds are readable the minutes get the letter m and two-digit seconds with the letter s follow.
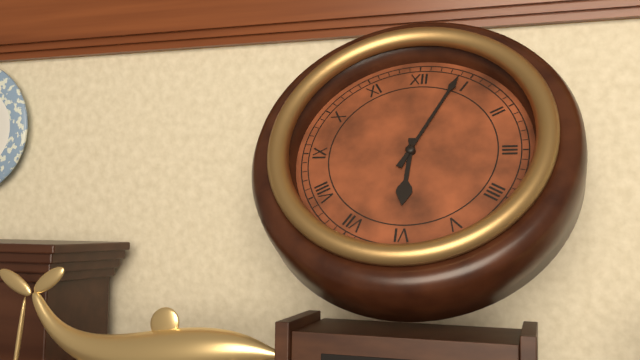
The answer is 6h04
